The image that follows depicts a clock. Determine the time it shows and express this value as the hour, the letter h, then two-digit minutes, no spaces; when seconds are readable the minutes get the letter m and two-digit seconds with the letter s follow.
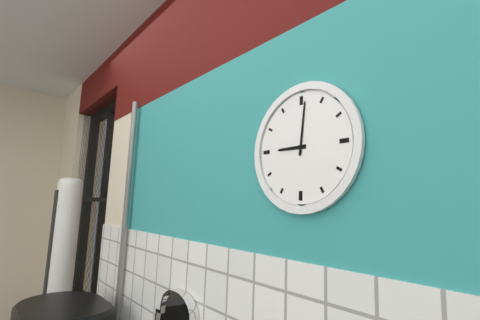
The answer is 9h01
